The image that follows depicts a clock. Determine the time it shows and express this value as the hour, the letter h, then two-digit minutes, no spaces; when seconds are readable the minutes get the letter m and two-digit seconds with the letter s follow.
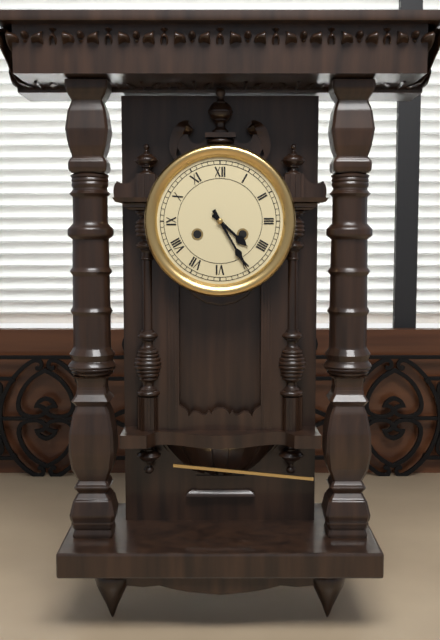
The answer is 4h25
